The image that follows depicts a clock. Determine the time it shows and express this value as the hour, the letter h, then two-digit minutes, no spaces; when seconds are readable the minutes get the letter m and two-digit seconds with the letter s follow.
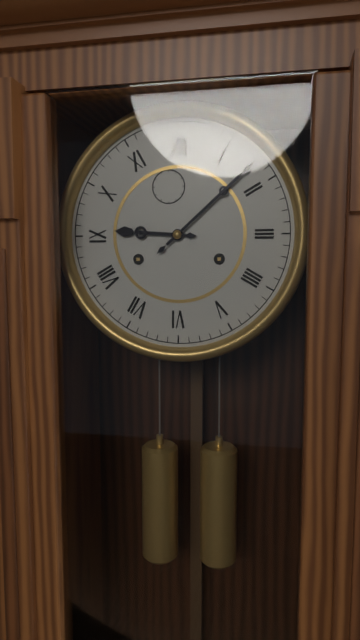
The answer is 9h08
